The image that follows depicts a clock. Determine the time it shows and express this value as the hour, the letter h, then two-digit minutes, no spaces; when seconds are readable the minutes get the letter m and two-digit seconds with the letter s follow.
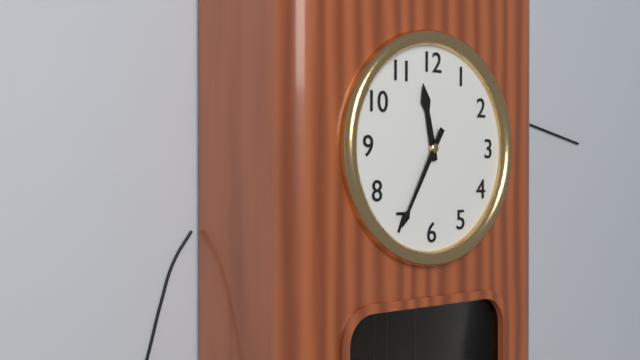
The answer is 11h35
